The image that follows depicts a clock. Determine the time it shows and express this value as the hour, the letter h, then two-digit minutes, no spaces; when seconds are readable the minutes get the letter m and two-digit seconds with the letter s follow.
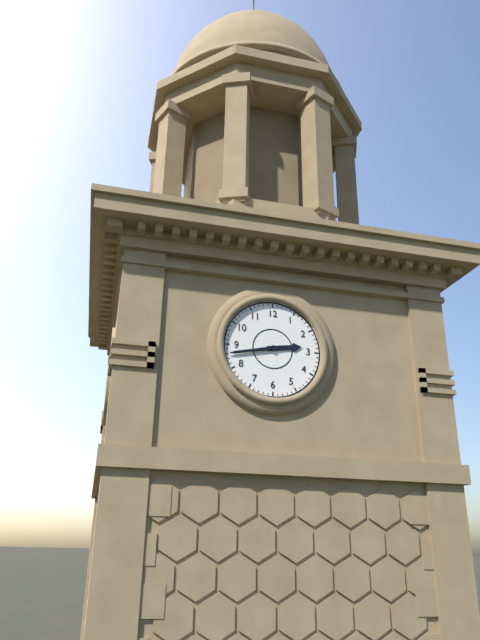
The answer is 2h43
